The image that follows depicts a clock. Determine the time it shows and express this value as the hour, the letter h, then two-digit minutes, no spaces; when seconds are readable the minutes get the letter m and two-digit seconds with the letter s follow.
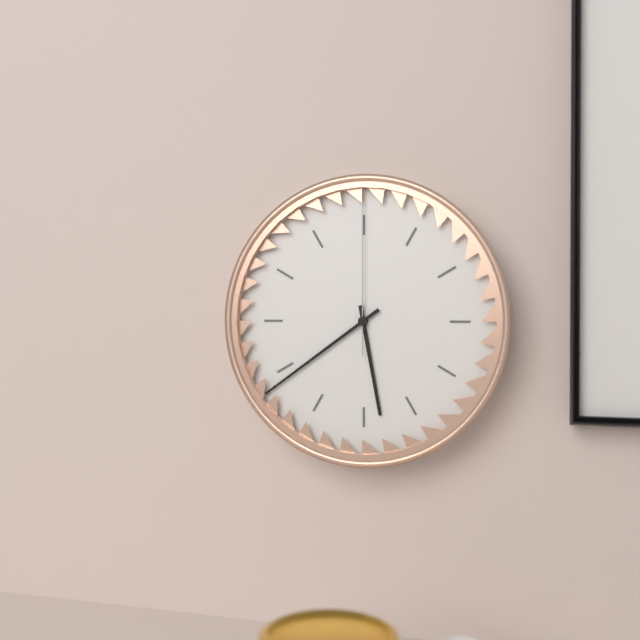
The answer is 5h39m00s
